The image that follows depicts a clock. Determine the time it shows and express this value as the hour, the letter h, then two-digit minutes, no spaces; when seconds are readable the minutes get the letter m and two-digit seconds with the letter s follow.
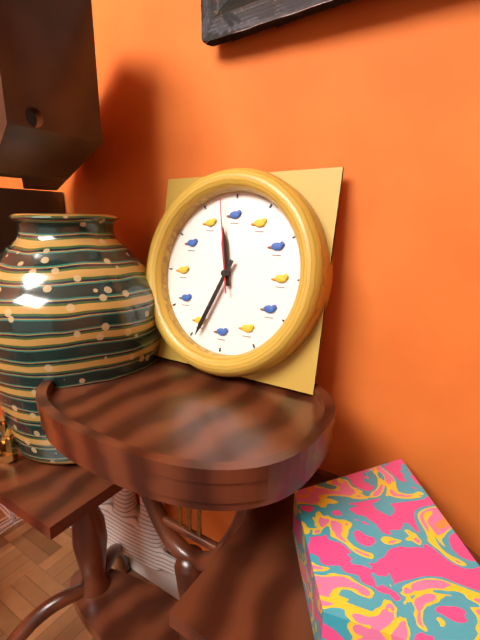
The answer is 11h34m58s
